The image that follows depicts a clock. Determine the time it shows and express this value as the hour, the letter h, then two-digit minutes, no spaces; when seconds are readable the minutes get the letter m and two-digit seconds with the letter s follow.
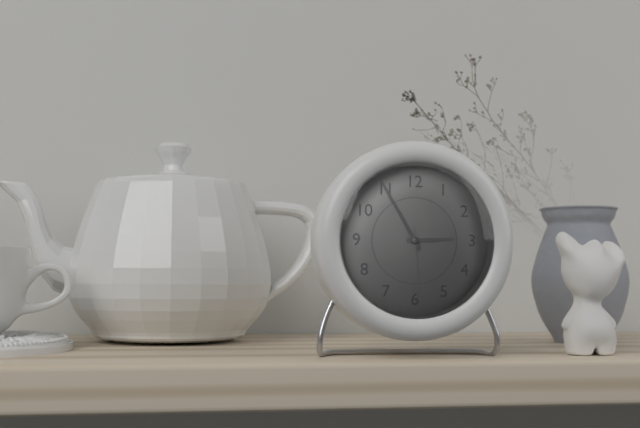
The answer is 2h55m29s
